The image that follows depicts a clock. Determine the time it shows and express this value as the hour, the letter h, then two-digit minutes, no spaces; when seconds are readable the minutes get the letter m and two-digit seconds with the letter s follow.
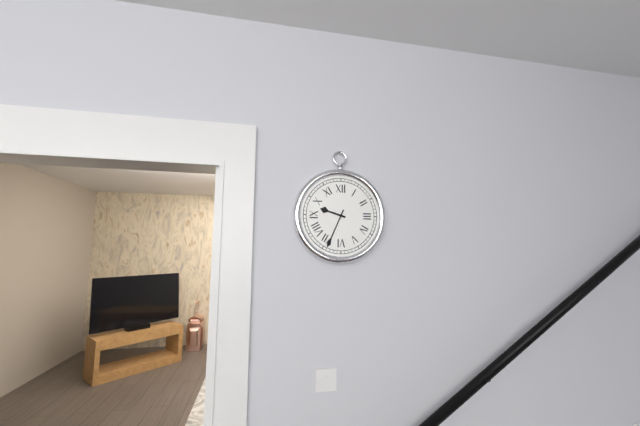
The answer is 9h34
